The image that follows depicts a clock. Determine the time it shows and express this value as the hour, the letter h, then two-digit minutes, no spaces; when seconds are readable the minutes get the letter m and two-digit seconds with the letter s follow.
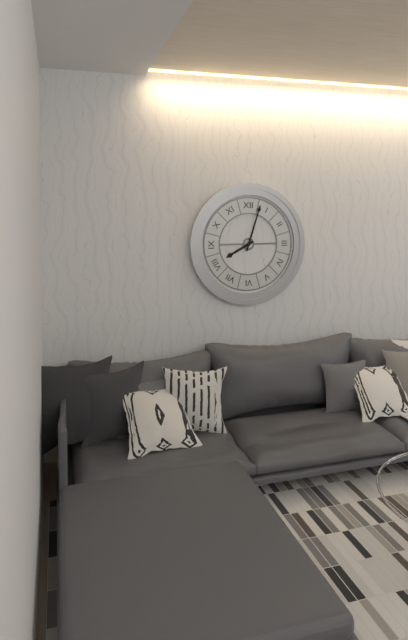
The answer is 8h03
